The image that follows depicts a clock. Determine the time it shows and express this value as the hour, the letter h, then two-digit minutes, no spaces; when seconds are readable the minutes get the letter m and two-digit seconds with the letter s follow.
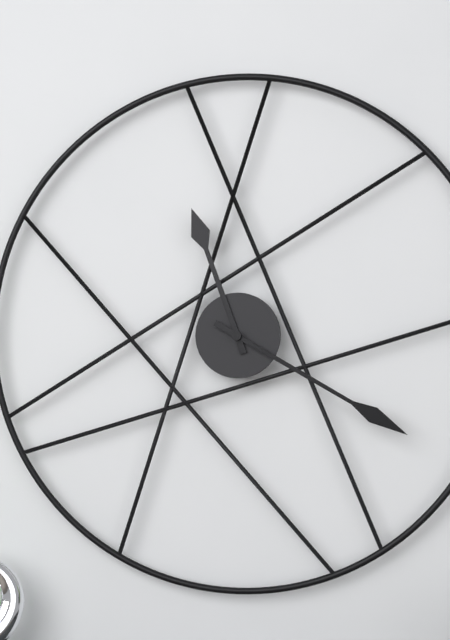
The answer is 11h20
